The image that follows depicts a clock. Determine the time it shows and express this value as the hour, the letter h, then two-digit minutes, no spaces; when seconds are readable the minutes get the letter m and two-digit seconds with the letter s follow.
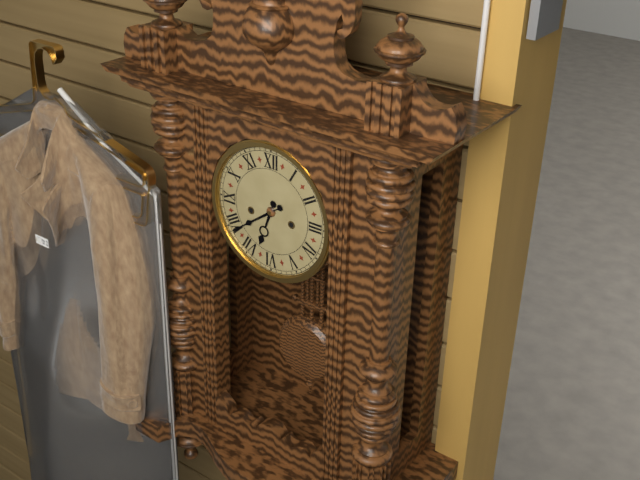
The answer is 6h39
